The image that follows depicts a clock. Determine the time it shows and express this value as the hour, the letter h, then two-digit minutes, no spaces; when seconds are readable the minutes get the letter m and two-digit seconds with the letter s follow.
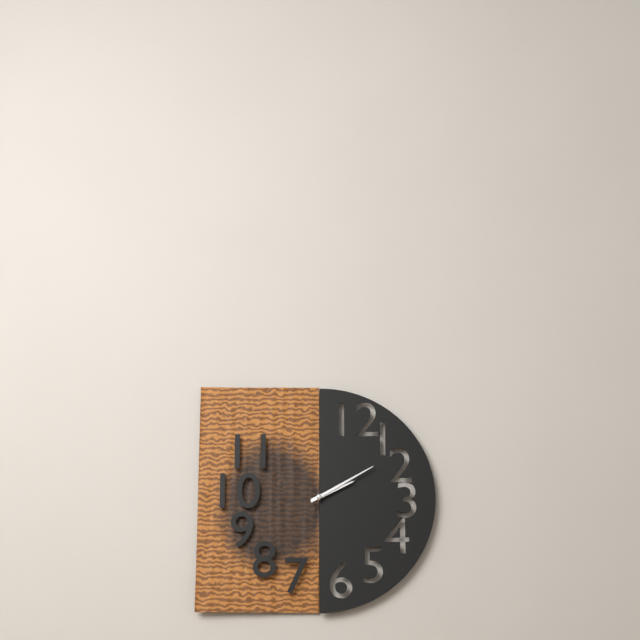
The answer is 2h10
